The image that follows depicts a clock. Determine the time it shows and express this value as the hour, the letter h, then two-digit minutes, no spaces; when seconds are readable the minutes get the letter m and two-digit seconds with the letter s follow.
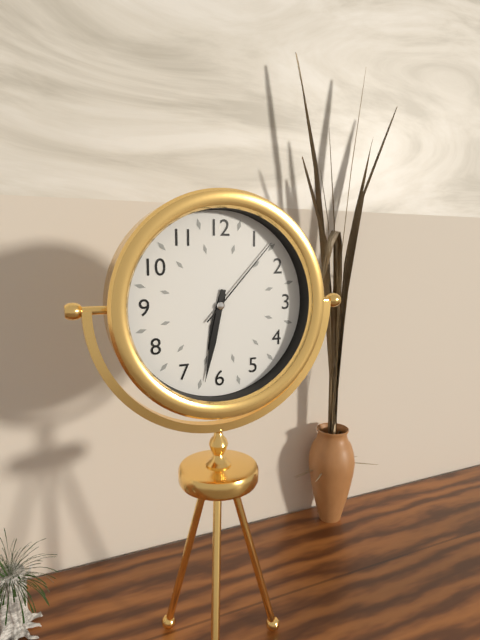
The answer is 6h32m07s
